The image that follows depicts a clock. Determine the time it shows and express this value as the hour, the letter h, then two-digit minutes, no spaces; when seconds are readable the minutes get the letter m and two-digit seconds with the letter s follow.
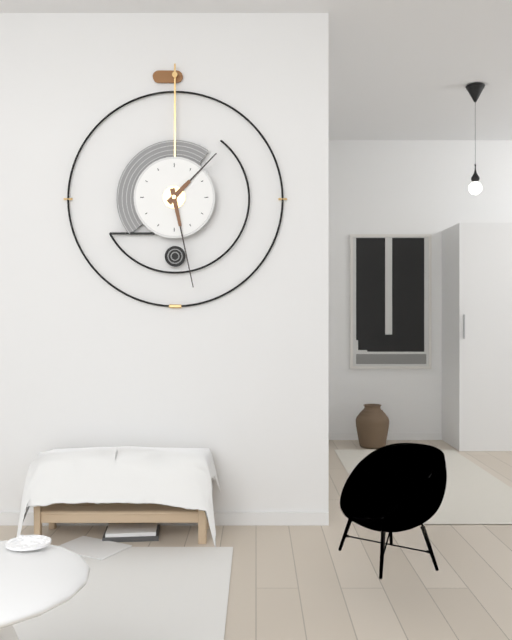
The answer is 1h28
